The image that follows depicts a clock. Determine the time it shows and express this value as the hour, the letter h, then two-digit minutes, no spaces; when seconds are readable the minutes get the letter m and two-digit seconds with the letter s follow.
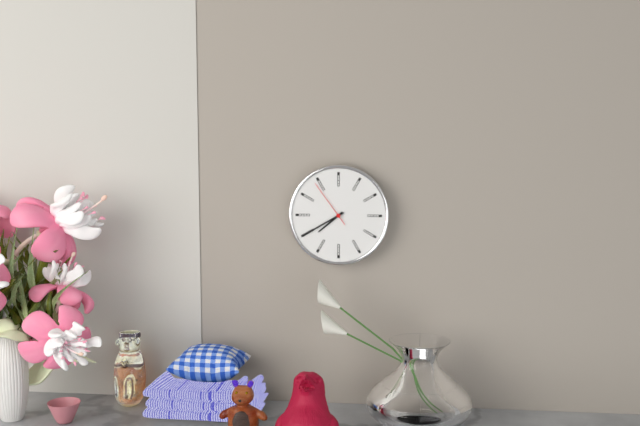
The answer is 7h40
